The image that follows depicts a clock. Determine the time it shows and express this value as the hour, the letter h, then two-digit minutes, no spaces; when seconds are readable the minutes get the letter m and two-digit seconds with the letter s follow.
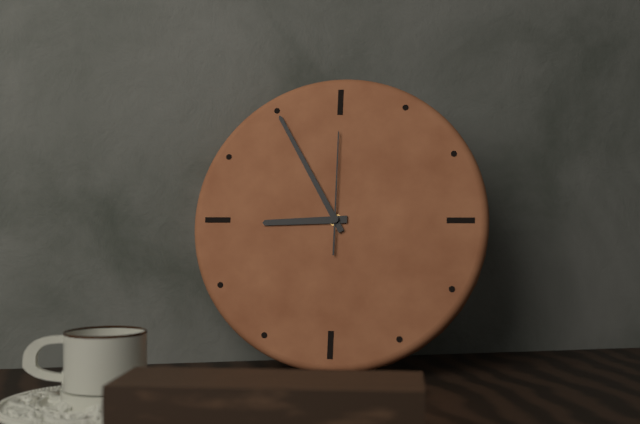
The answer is 8h55m00s
